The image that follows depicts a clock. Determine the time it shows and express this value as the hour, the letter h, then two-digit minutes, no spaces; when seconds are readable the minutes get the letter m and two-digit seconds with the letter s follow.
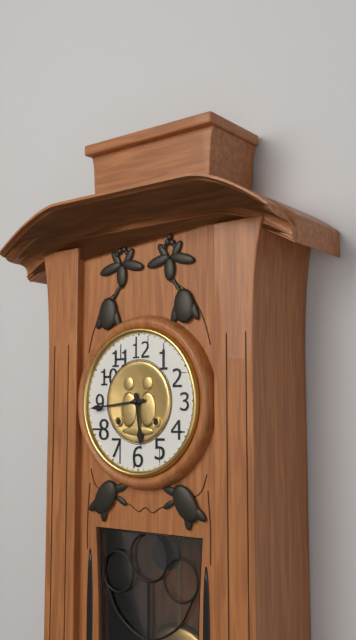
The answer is 5h44
